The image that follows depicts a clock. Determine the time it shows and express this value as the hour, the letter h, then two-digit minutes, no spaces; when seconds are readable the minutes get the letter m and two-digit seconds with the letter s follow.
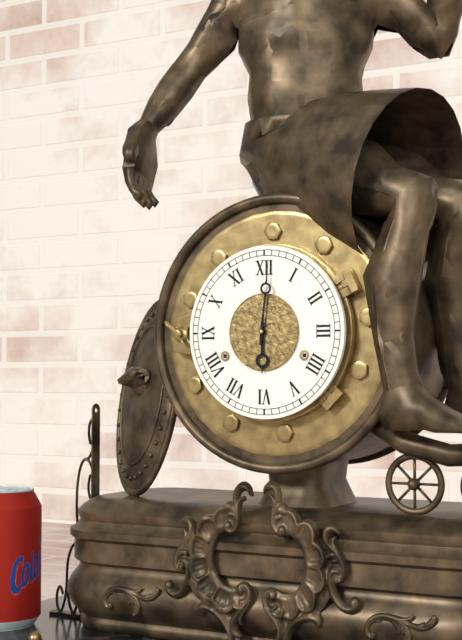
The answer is 6h01
